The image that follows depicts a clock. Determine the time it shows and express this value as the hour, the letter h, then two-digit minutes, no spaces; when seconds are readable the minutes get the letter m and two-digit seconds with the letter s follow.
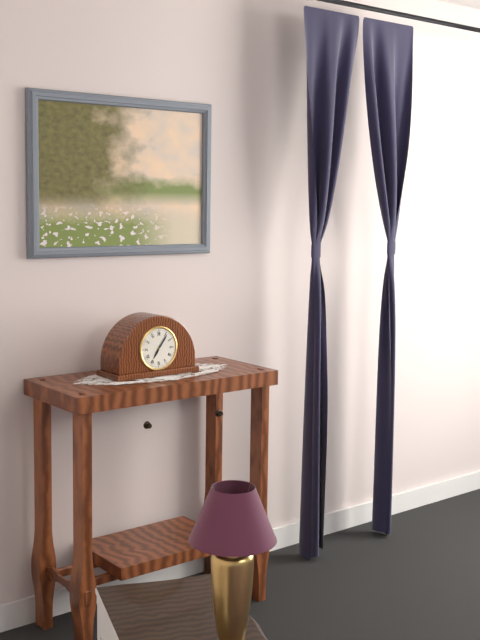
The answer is 7h06
